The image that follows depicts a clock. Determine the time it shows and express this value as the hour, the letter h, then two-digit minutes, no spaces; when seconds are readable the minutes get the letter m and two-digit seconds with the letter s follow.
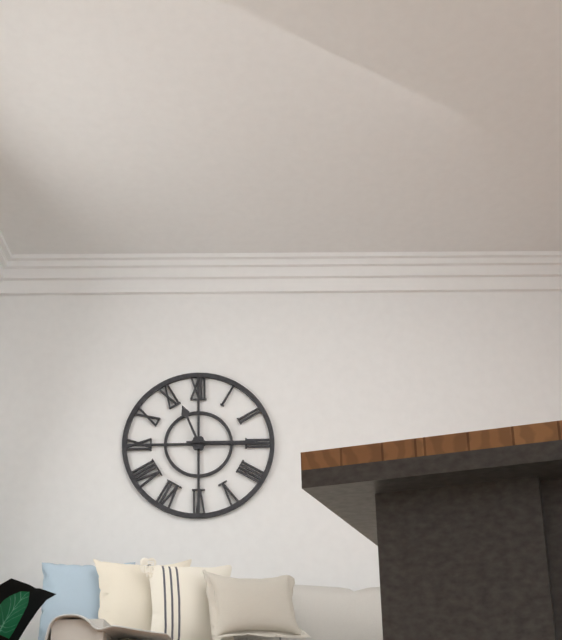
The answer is 11h15
